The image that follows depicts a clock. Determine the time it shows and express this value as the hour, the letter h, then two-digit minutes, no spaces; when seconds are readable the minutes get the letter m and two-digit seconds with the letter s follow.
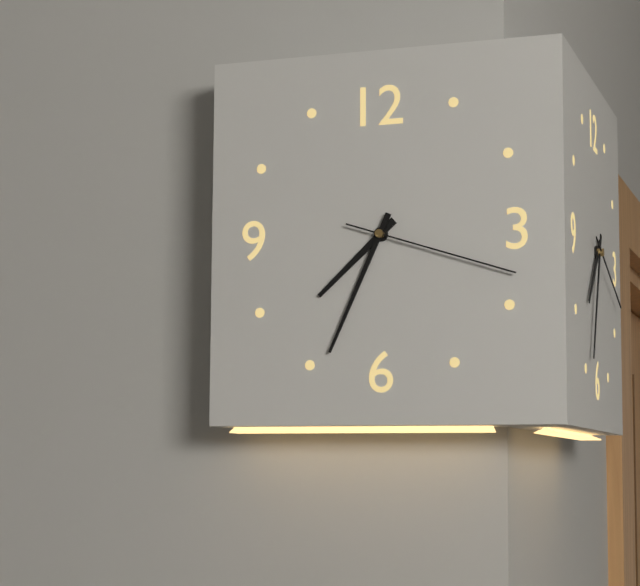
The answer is 7h34m18s
